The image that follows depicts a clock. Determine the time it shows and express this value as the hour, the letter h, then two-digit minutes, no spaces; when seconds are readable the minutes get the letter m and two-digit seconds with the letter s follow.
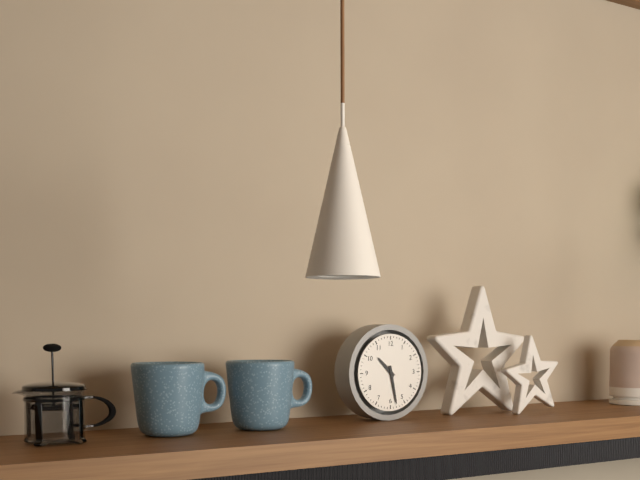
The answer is 10h28
